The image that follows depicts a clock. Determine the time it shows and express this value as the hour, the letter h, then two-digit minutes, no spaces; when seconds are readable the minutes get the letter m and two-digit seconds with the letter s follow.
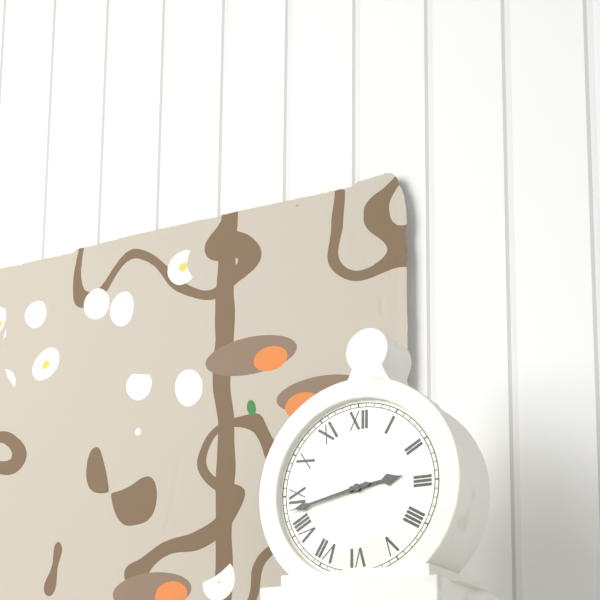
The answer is 2h43
